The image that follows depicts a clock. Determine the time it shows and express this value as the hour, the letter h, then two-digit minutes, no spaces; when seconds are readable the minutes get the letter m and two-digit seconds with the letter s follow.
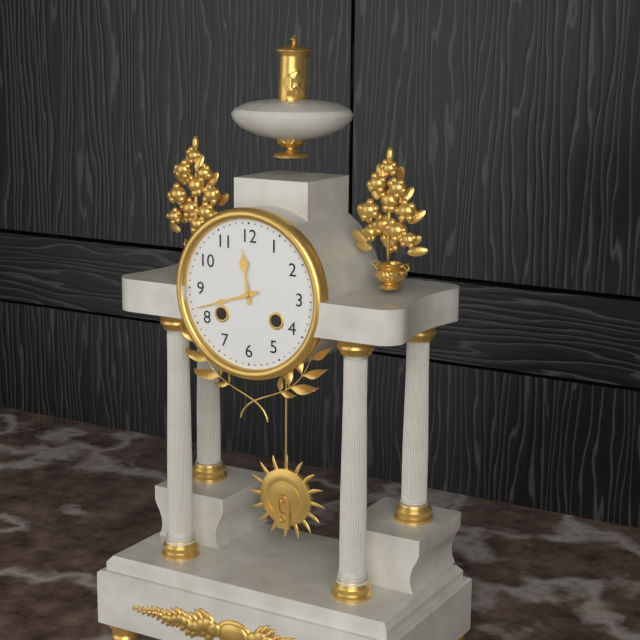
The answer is 11h42
